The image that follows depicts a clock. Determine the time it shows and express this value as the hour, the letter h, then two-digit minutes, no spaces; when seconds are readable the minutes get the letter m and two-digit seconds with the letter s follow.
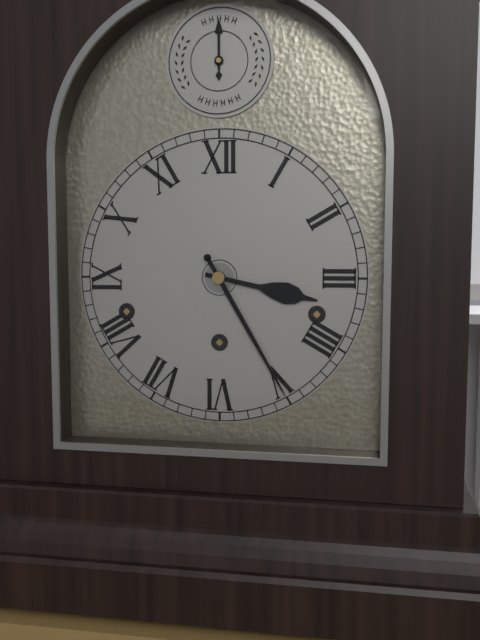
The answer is 3h25
